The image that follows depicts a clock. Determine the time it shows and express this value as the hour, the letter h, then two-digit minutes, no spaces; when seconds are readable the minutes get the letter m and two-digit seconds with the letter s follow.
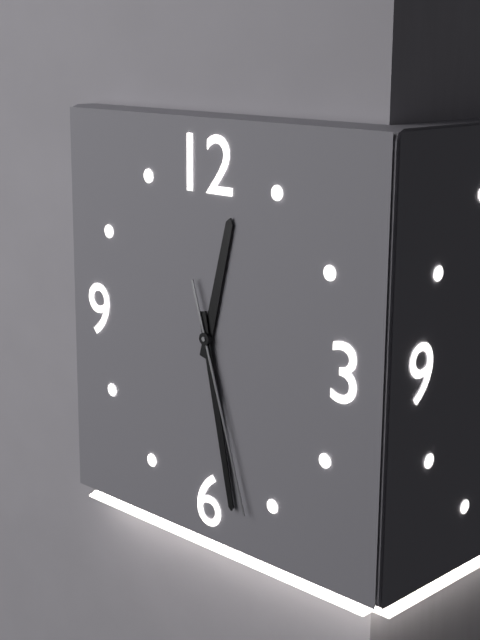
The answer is 12h28m27s
